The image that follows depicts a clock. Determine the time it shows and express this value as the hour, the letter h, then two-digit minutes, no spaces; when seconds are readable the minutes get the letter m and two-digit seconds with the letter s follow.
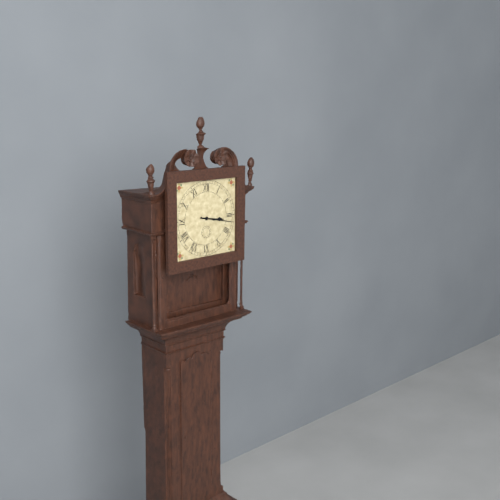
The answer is 3h17
